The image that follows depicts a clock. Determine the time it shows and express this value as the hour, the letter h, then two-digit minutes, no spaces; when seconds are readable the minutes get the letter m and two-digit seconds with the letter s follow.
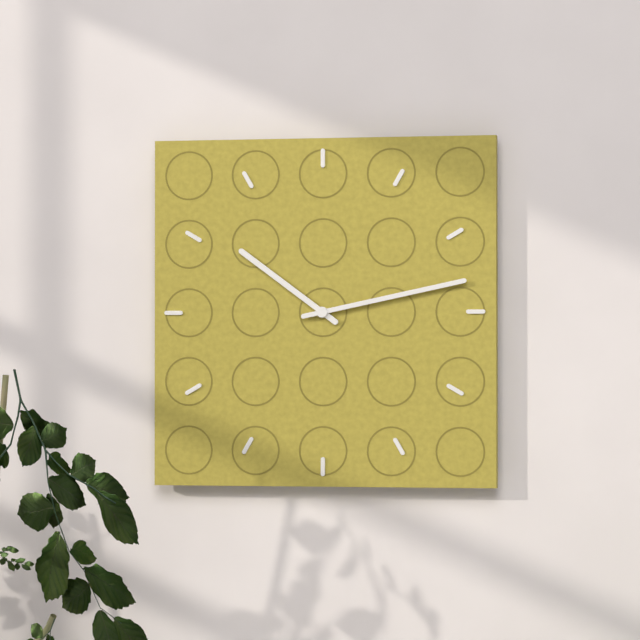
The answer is 10h13
